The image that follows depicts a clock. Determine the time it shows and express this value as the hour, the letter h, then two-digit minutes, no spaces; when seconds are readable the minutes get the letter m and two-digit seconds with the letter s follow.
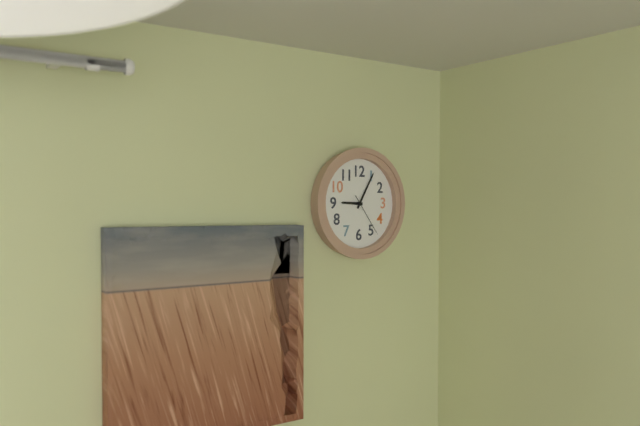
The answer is 9h05
